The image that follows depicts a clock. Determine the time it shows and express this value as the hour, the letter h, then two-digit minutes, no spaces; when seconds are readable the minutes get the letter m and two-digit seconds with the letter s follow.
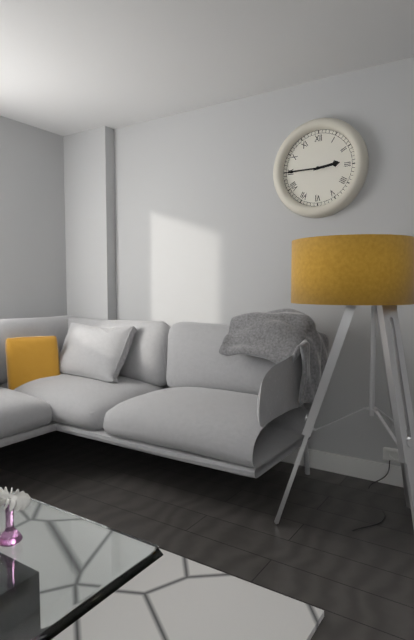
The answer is 2h45
